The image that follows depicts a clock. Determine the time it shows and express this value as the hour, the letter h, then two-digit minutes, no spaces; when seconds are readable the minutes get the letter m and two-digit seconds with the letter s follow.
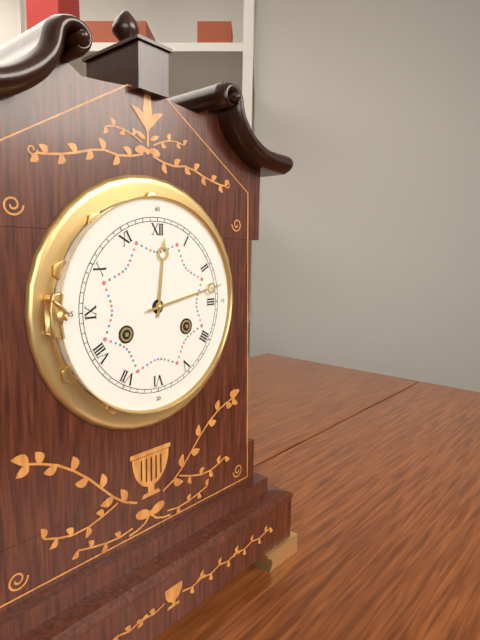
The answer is 12h13
